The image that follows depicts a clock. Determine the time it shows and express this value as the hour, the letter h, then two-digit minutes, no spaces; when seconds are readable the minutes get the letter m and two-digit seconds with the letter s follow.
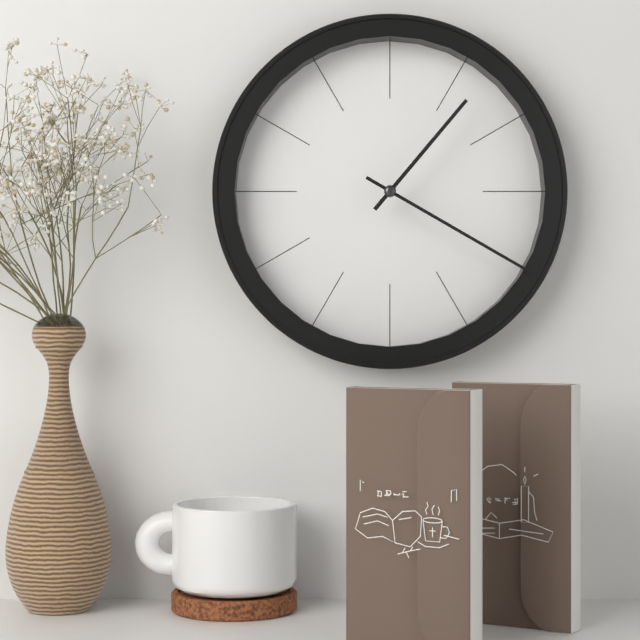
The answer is 1h20
